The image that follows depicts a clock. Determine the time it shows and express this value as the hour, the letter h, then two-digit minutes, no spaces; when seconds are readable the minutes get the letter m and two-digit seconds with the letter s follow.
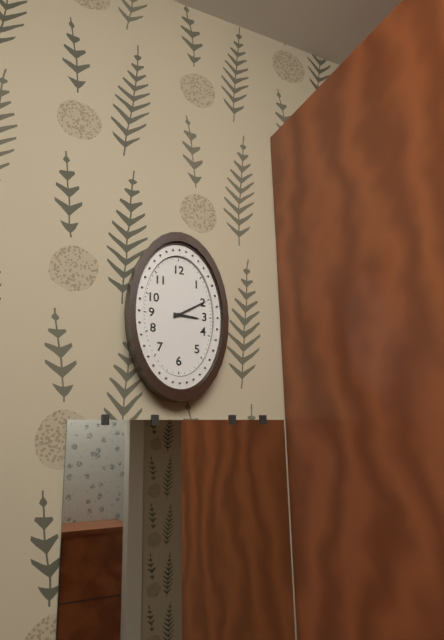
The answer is 3h10
